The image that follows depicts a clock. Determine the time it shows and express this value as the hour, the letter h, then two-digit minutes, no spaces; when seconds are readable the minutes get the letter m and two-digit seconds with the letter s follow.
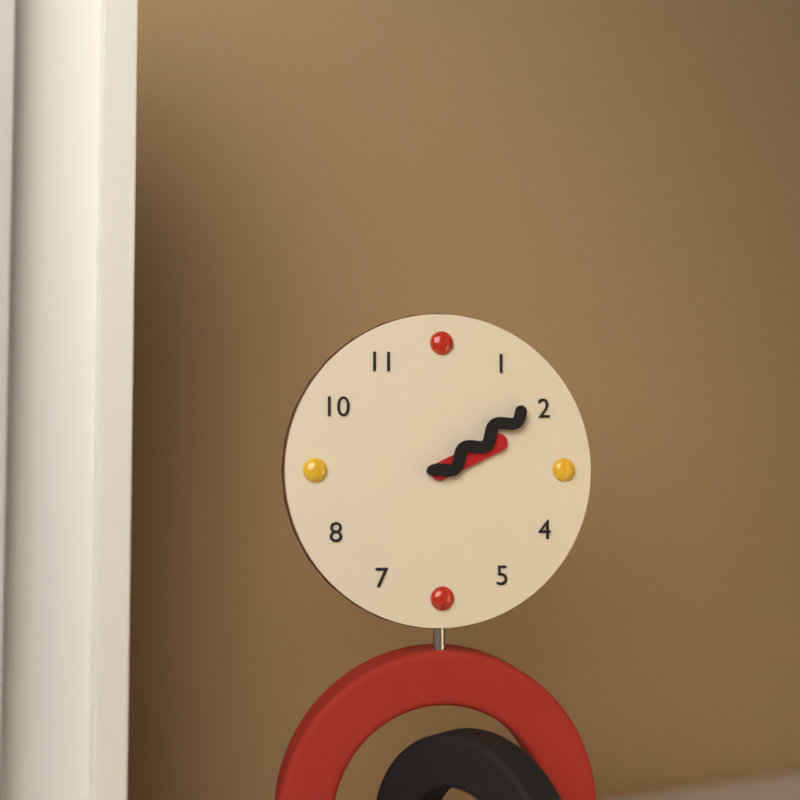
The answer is 2h09
